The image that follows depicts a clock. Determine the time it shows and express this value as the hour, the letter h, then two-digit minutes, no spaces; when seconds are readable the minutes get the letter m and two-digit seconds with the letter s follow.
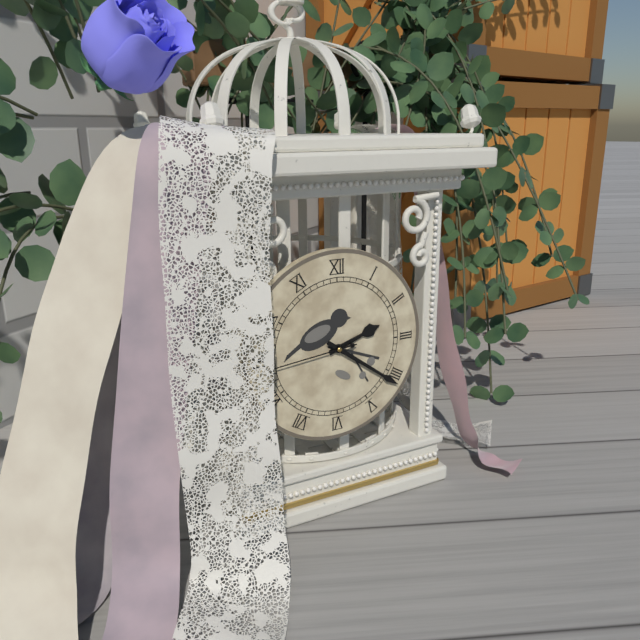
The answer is 2h21m44s
